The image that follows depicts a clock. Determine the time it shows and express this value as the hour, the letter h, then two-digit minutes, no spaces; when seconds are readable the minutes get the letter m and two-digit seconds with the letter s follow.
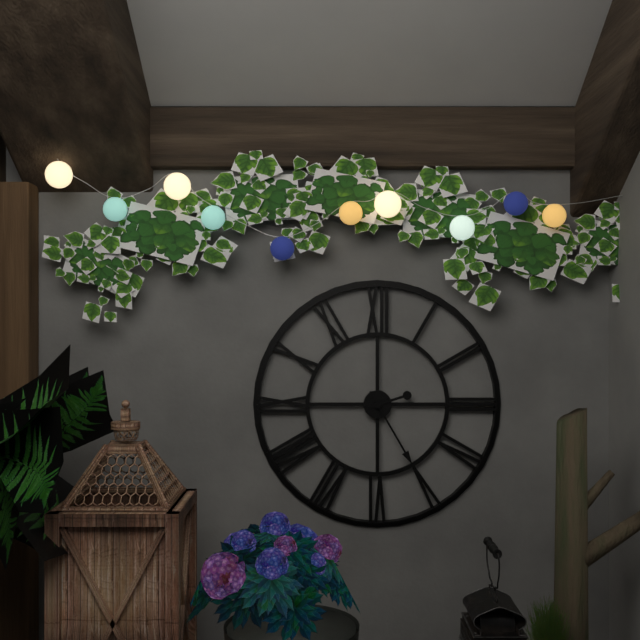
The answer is 2h25
